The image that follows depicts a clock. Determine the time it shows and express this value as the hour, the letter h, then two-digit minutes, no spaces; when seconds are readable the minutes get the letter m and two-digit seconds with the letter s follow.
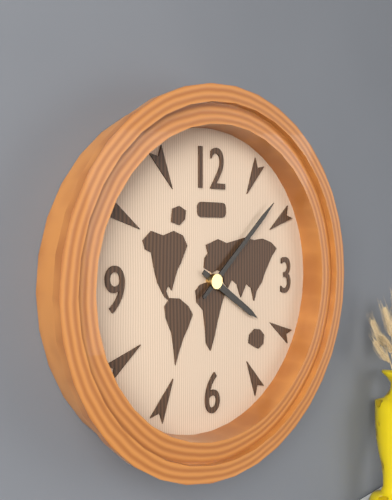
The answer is 4h08
